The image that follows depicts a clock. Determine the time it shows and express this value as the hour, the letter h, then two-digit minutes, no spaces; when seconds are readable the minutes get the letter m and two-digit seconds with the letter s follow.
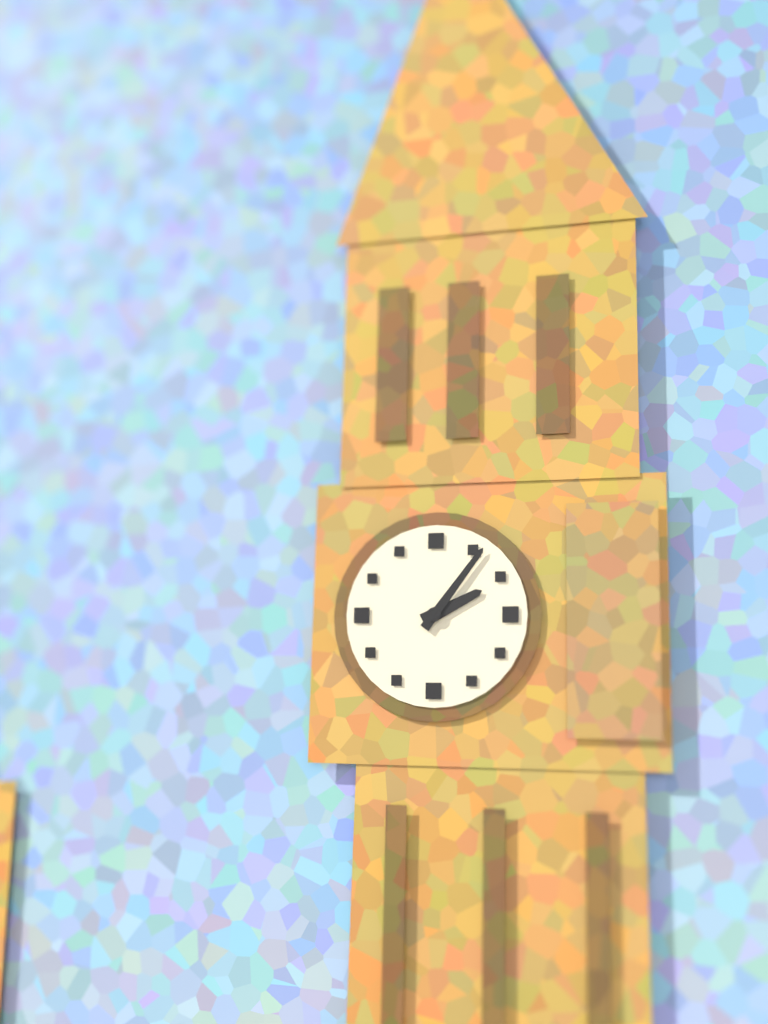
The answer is 2h06
